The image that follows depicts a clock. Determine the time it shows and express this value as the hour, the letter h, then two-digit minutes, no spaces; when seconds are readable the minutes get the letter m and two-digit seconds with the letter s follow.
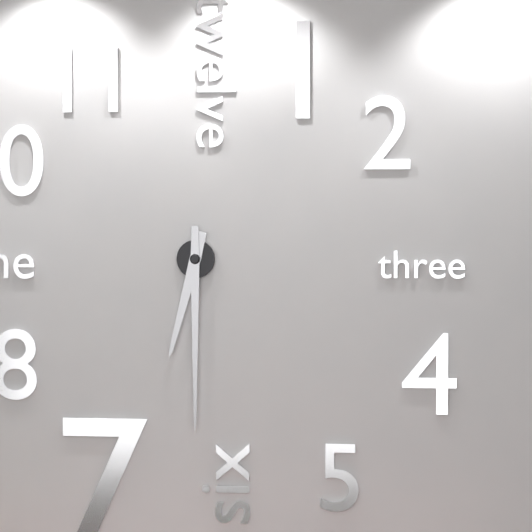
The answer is 6h30
